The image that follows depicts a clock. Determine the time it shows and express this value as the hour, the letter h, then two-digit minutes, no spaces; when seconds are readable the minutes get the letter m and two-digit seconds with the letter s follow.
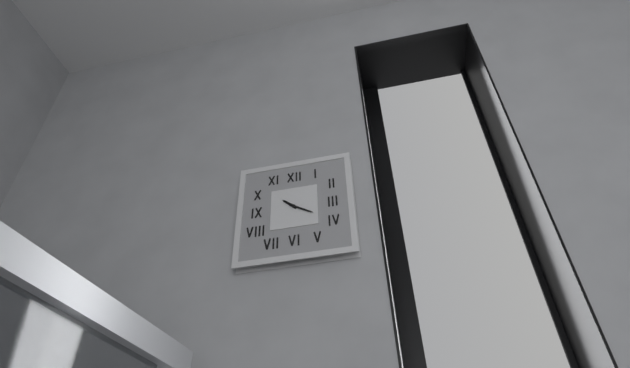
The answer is 10h20
